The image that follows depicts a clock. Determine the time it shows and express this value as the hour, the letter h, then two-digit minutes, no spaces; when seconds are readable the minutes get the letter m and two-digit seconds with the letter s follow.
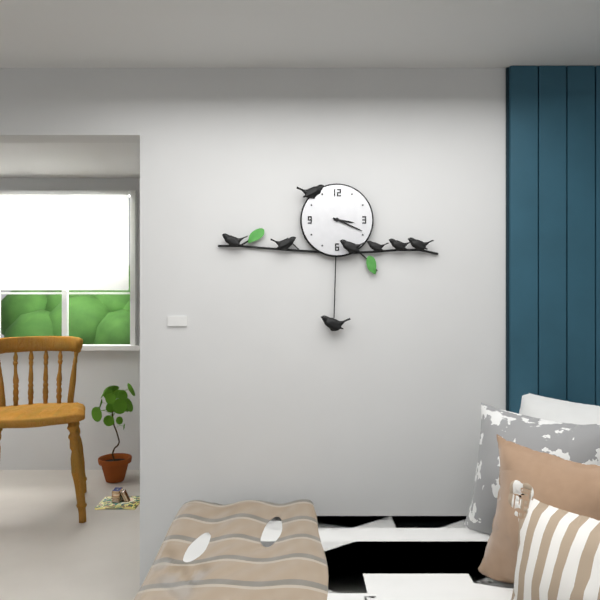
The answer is 3h19
